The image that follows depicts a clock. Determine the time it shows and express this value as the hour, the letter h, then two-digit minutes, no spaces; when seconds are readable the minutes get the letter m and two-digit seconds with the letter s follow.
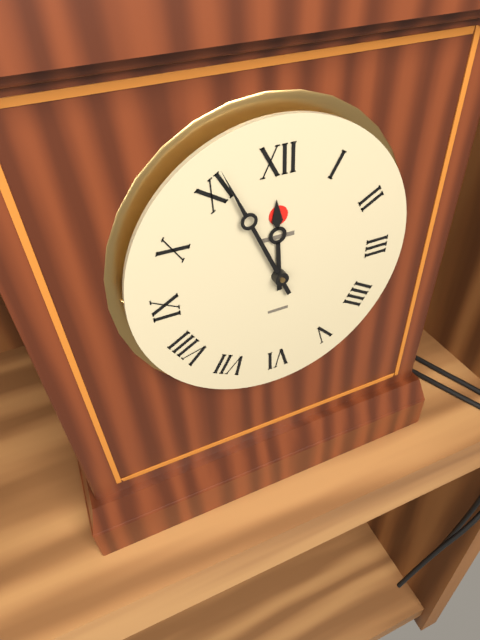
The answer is 11h56
